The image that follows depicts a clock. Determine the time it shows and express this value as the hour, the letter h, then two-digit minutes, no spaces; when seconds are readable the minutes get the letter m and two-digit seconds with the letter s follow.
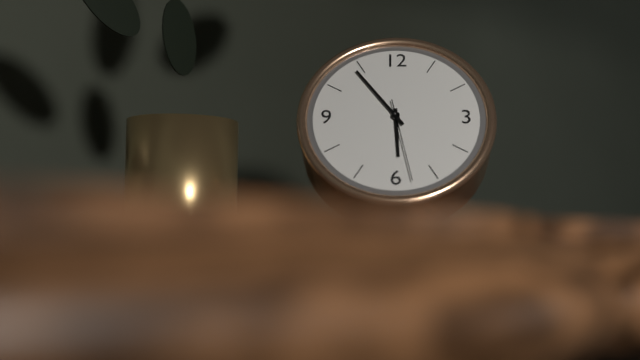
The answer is 5h54m28s
